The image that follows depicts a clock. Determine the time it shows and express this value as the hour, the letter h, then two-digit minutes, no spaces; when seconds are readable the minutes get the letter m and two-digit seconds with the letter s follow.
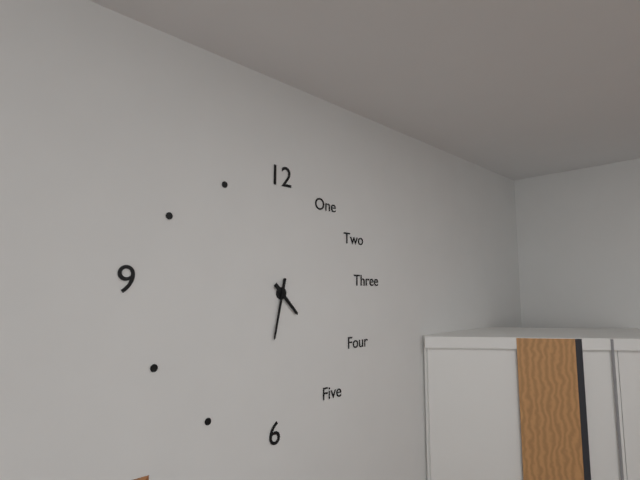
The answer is 4h32
